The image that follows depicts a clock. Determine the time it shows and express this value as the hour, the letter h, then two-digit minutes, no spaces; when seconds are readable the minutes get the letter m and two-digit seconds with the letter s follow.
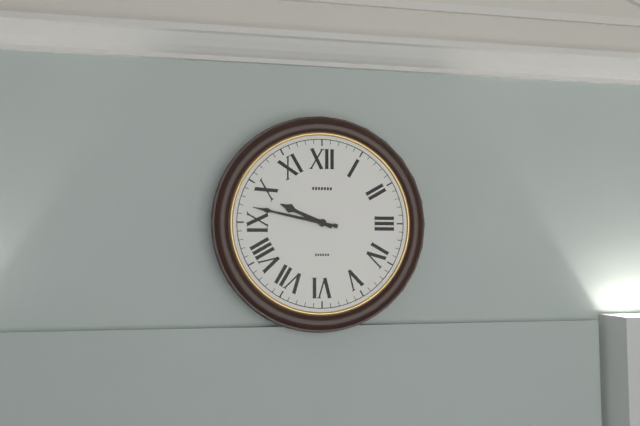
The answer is 9h47
